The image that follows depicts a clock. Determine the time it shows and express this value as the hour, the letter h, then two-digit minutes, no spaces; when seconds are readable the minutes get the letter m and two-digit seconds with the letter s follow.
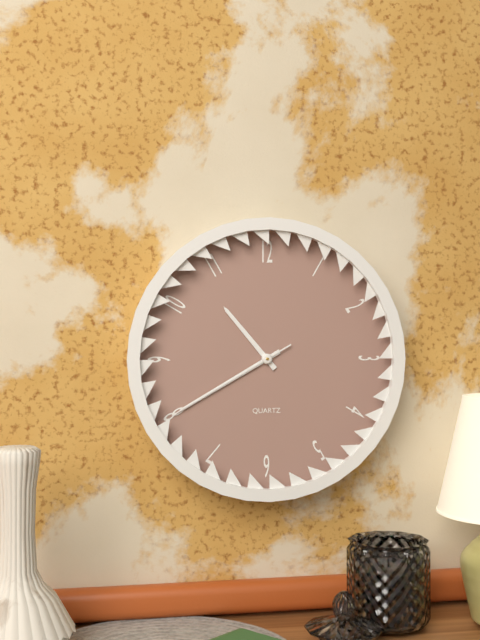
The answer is 10h40m40s
